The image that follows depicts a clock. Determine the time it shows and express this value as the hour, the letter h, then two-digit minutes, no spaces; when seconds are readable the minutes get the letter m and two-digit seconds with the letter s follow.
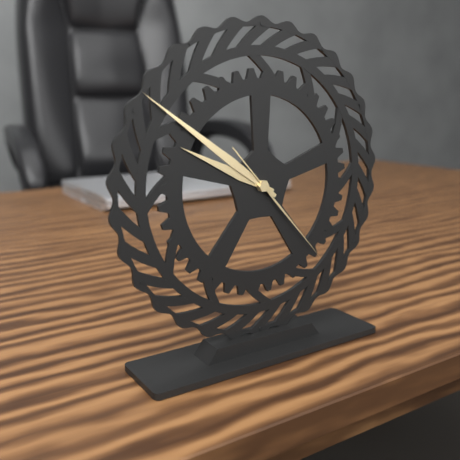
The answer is 9h51m23s
